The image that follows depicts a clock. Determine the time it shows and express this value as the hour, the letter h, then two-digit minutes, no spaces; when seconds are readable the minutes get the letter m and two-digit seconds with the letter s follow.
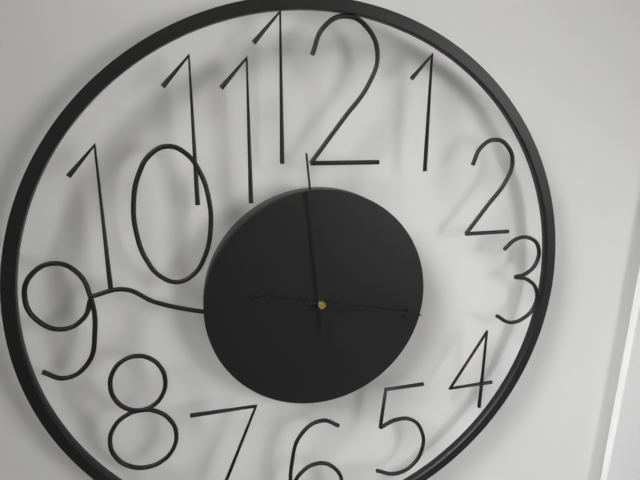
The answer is 9h17m59s
